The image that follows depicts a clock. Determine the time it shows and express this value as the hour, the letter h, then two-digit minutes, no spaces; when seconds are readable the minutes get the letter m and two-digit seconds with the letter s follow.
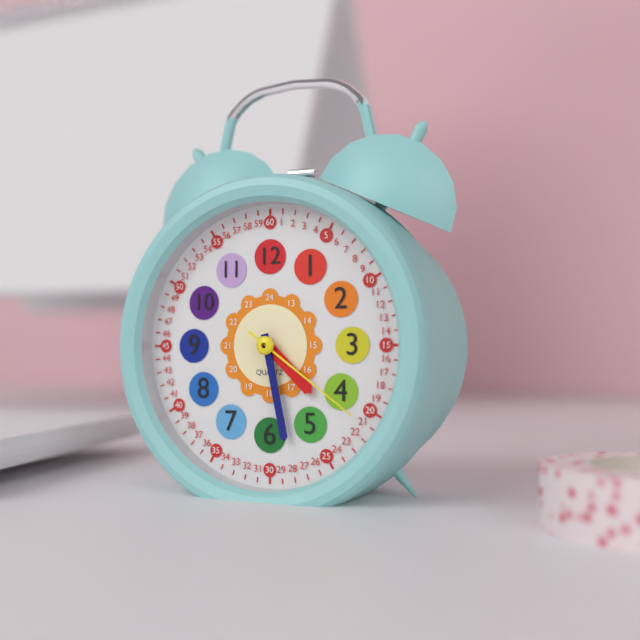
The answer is 4h28m21s
